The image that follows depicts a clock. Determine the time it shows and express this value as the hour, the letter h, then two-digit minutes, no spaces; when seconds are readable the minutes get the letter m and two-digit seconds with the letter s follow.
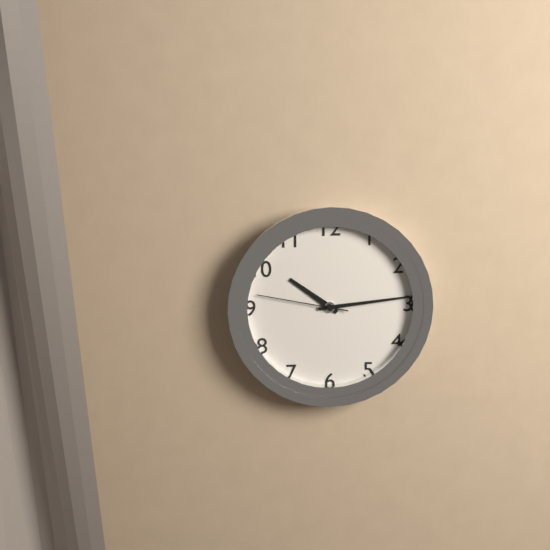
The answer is 10h14m47s
